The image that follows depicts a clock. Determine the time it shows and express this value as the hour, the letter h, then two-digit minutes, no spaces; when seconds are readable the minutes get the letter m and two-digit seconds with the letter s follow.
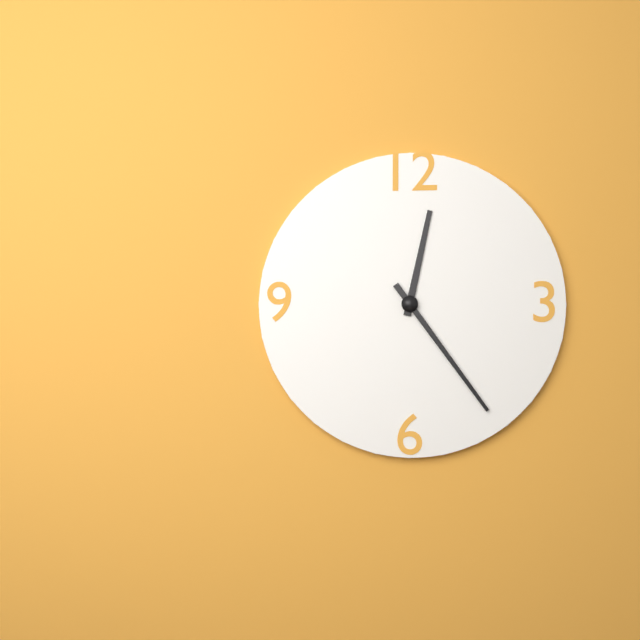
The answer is 12h24
